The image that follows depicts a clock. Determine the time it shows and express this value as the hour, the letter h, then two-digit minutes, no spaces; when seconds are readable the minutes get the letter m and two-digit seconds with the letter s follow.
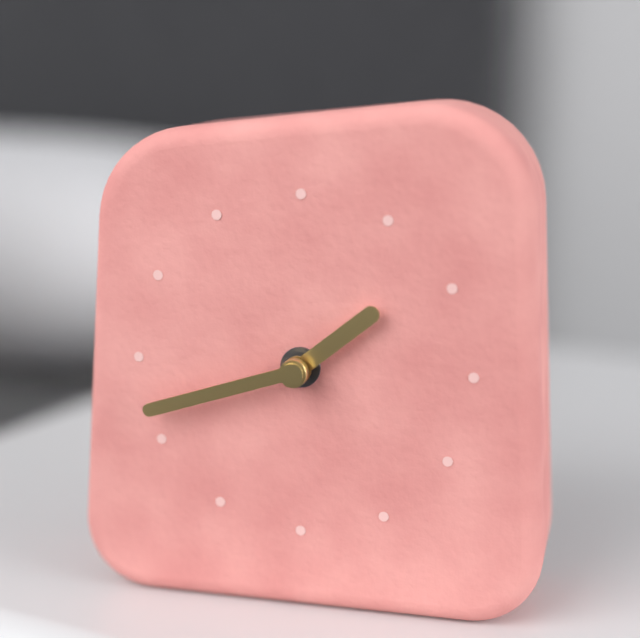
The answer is 1h42
